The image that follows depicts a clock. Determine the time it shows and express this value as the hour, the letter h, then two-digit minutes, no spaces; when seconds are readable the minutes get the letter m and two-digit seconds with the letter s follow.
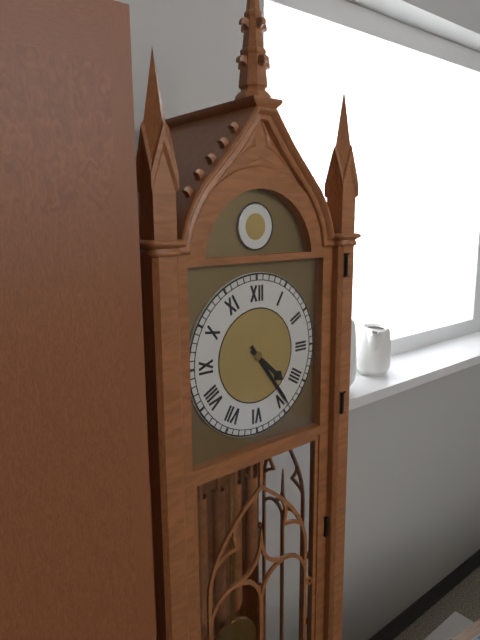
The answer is 4h24
